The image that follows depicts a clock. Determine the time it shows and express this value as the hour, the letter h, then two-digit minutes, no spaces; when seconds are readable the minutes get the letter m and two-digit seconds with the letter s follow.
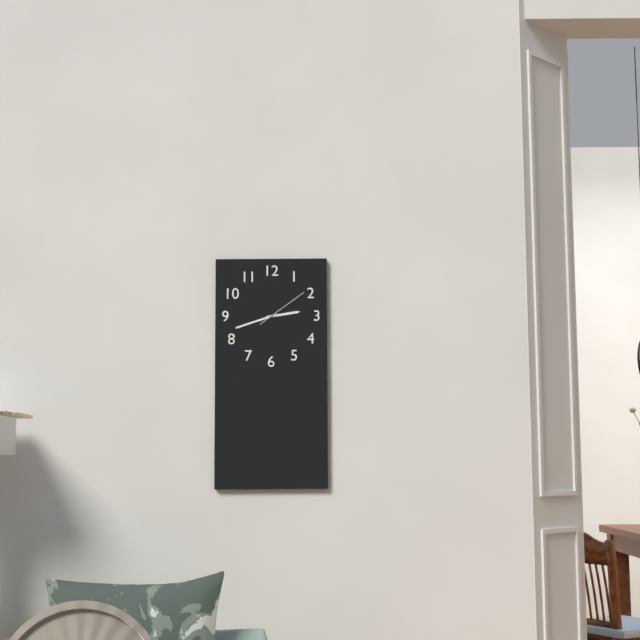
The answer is 2h42m09s
